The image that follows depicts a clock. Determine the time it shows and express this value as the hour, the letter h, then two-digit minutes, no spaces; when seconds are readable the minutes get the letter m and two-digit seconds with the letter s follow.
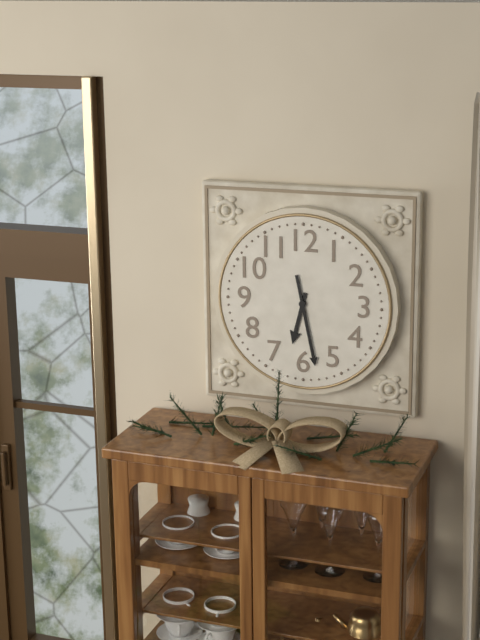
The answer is 6h28
